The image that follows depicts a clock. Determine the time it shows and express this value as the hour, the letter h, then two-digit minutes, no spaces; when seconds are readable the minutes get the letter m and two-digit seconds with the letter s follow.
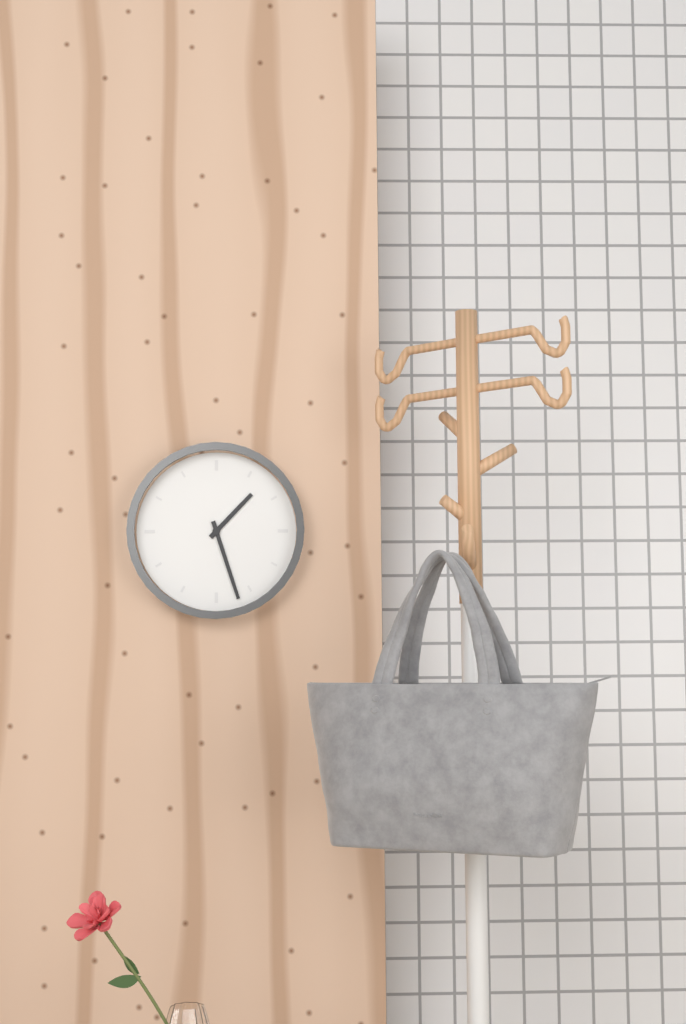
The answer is 1h27
